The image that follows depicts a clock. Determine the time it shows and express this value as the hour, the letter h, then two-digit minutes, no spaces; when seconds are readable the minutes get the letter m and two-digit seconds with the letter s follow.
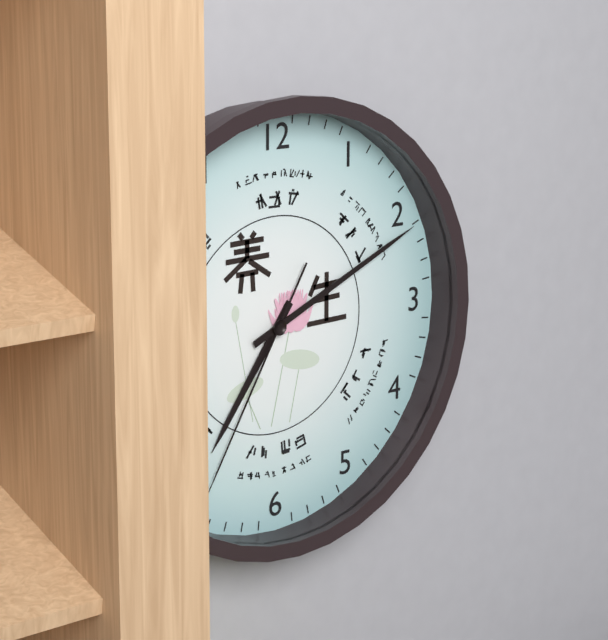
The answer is 7h11m35s
